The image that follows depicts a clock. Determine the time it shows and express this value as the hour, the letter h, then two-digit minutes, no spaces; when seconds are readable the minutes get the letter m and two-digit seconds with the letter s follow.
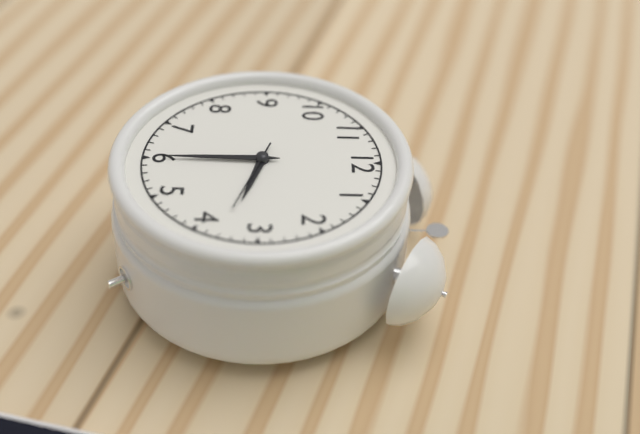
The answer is 3h30m18s
